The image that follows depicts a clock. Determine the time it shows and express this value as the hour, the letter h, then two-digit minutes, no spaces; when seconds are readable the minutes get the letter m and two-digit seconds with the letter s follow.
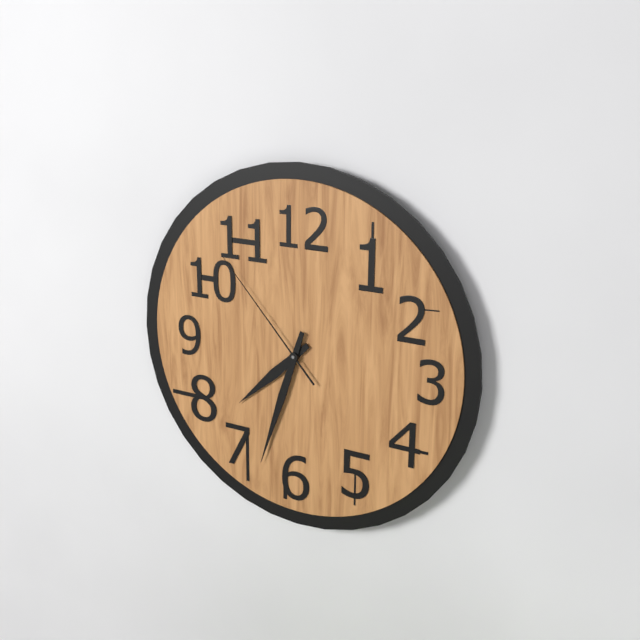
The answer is 7h33m53s
